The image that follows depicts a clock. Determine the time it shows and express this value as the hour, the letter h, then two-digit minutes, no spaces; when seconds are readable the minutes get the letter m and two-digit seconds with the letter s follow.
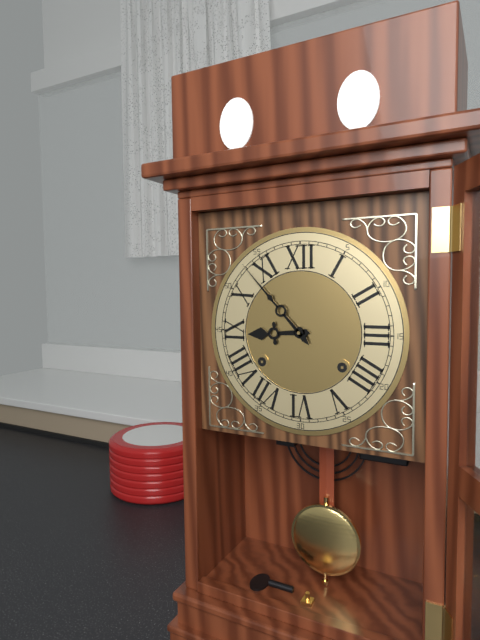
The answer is 8h53
